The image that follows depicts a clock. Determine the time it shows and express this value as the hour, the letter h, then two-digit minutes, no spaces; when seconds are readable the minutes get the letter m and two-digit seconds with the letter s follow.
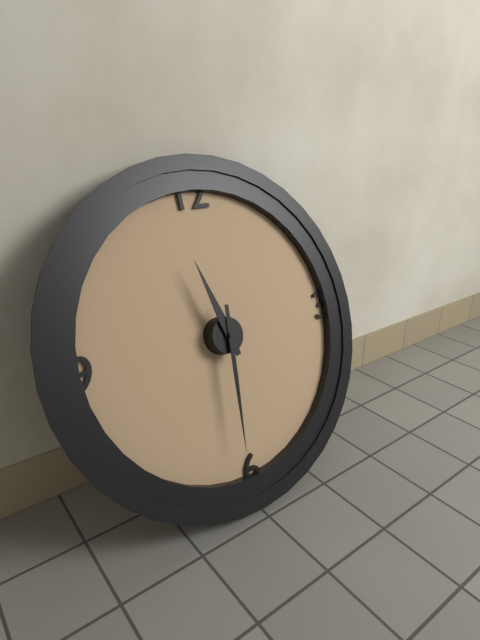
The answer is 11h31
